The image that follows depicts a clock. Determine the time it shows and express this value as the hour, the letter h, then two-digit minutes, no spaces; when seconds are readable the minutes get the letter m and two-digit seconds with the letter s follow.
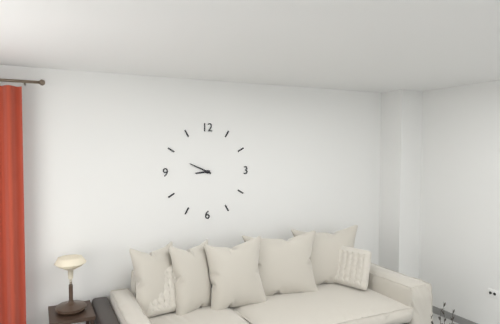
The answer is 8h49
